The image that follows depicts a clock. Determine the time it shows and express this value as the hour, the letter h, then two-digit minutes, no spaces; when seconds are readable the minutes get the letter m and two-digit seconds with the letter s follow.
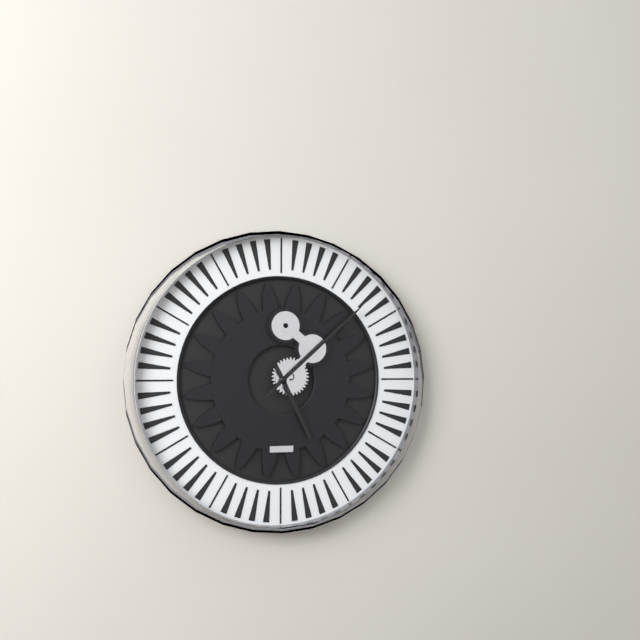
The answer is 5h08
